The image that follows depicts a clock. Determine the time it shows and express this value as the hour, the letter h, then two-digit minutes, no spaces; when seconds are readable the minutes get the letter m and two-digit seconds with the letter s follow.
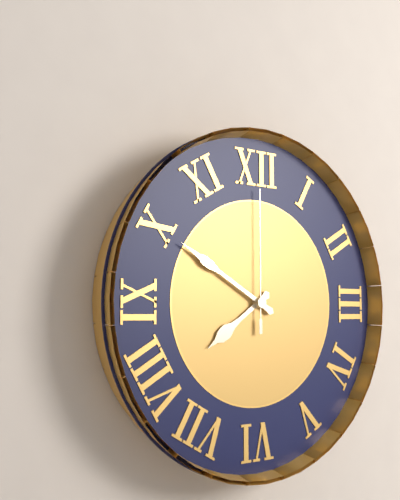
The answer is 7h50m00s
